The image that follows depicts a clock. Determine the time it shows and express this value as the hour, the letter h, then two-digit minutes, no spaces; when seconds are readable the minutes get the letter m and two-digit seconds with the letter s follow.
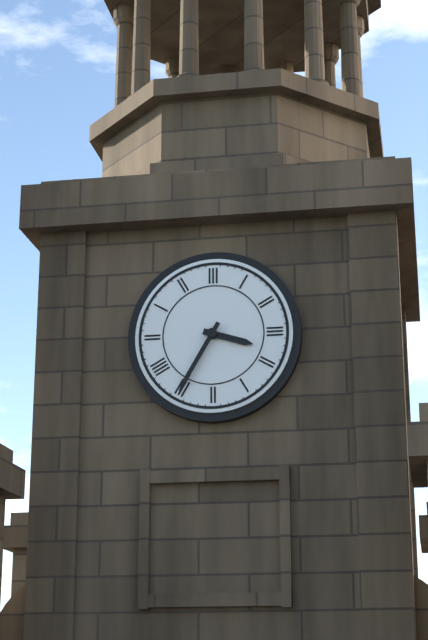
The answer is 3h35
